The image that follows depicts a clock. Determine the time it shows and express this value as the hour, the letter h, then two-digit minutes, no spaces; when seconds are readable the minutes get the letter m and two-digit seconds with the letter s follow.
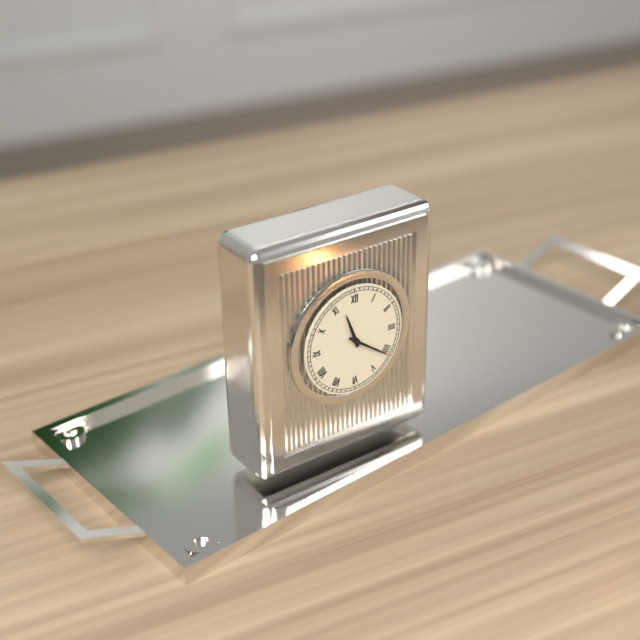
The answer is 11h21
